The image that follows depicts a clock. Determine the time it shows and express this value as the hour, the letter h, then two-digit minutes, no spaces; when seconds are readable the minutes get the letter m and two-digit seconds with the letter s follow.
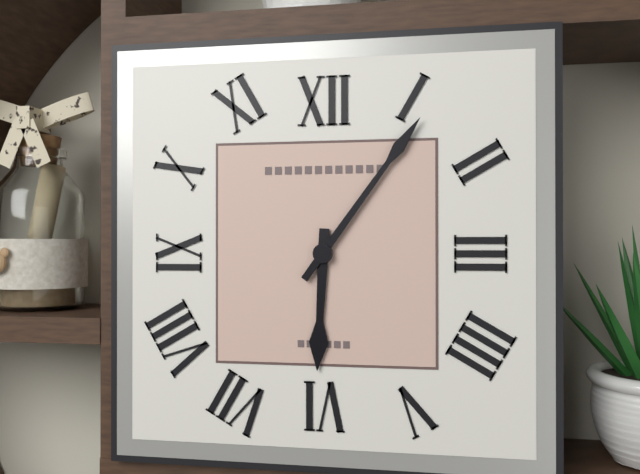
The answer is 6h06
